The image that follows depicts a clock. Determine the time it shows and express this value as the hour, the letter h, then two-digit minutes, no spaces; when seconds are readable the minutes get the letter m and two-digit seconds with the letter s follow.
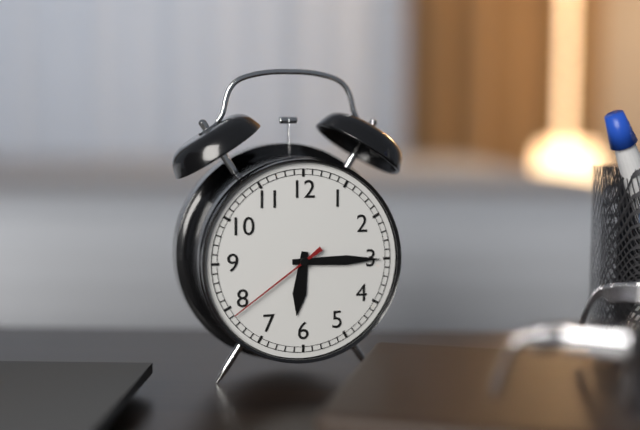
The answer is 6h15m39s
